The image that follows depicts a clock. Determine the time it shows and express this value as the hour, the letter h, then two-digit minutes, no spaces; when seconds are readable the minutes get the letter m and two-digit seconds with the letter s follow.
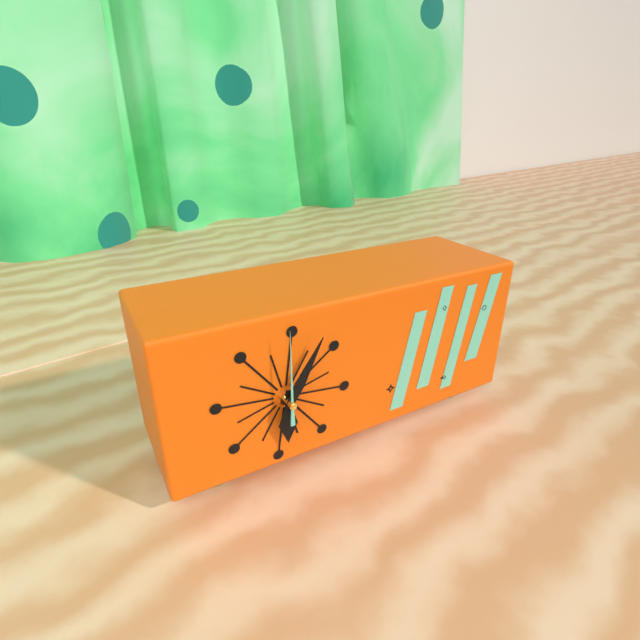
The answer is 6h05m00s
